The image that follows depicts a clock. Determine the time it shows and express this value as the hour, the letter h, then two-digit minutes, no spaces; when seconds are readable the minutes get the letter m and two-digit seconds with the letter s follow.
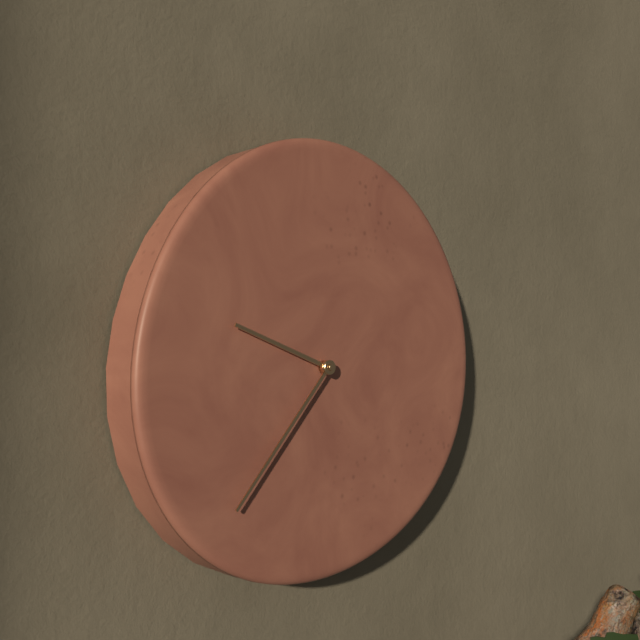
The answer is 9h37
